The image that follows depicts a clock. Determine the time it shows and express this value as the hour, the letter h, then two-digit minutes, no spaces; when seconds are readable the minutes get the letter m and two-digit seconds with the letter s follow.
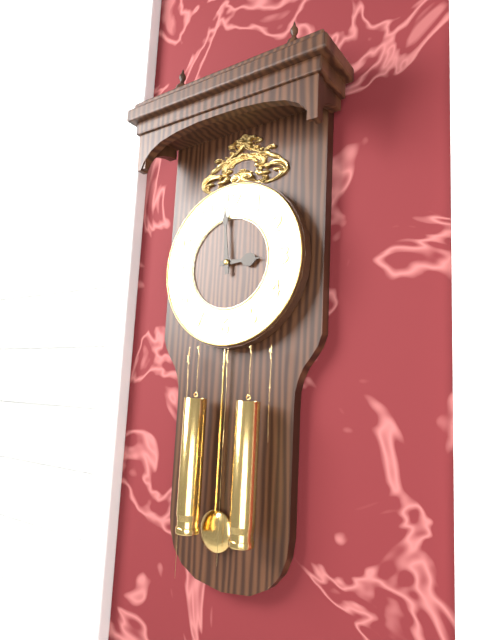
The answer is 2h59
